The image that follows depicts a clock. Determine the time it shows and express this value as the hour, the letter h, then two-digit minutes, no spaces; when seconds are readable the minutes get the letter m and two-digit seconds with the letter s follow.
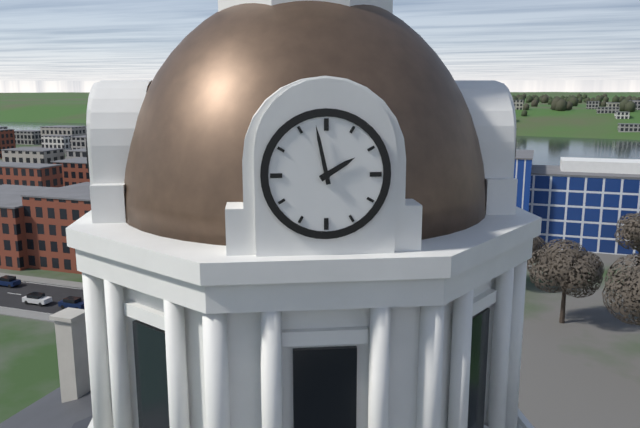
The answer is 1h58
